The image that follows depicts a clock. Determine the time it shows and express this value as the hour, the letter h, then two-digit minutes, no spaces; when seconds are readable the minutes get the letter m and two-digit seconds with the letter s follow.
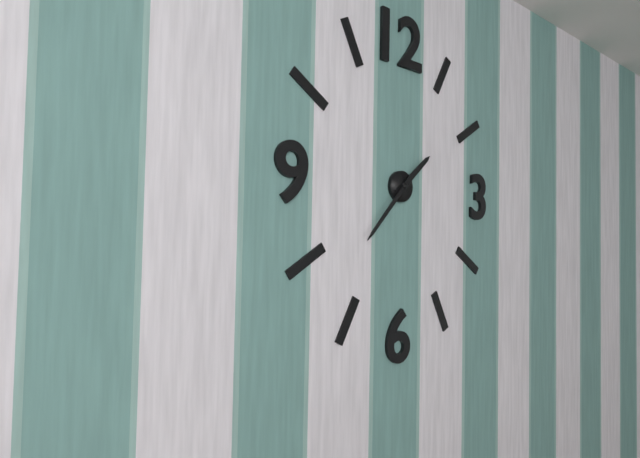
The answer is 1h37
